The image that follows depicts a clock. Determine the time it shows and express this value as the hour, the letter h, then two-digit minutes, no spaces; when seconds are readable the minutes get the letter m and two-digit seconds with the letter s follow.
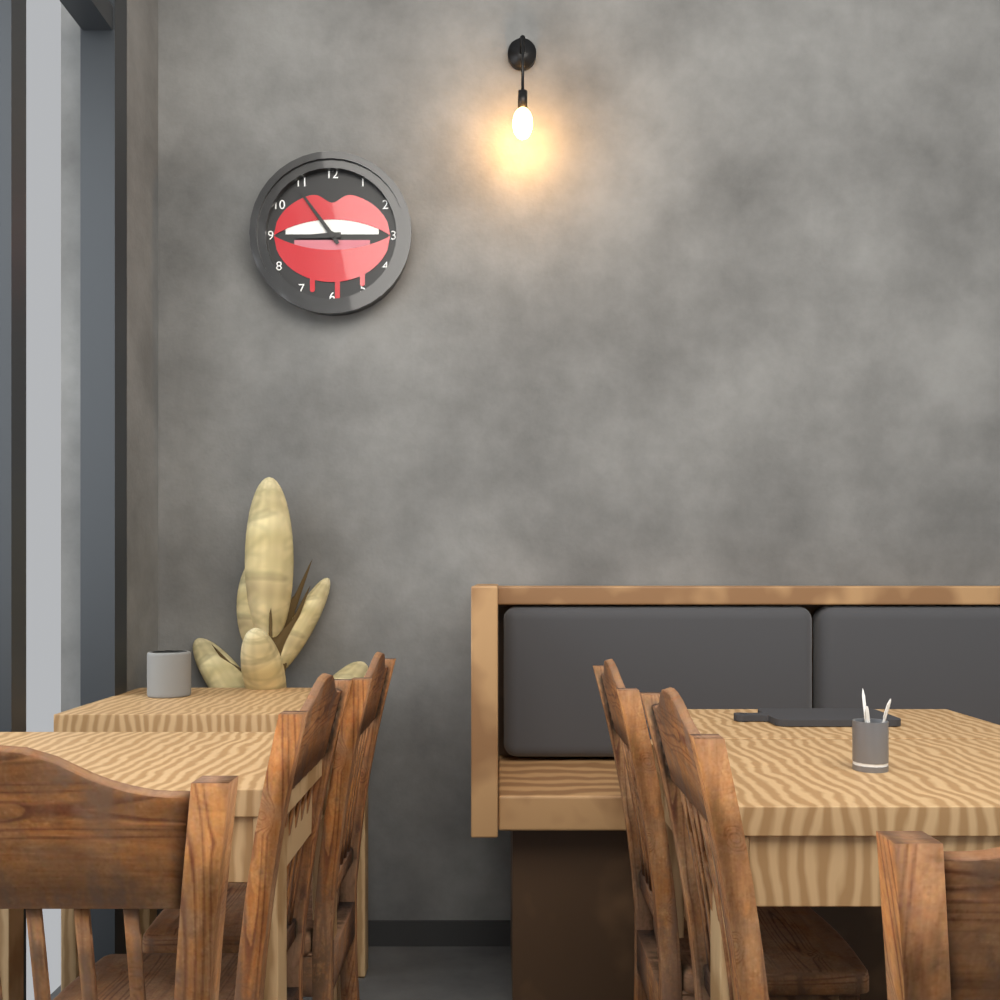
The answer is 8h54
